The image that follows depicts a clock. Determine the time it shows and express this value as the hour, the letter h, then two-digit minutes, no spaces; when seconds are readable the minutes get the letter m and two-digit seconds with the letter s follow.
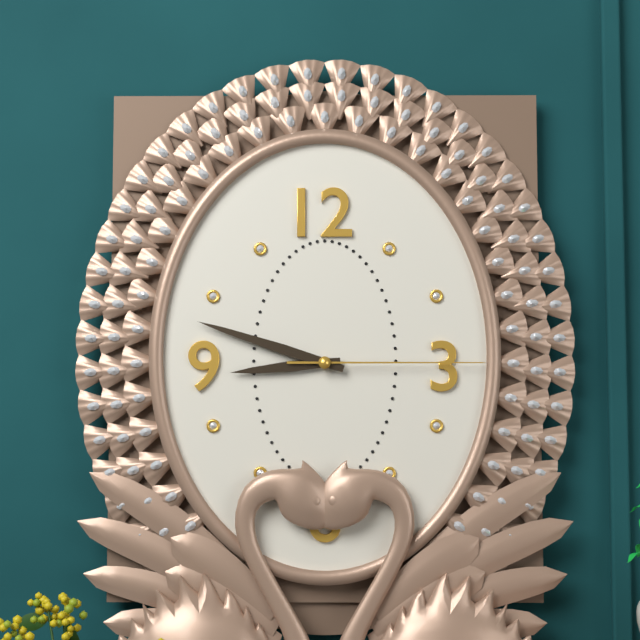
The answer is 8h48m15s
